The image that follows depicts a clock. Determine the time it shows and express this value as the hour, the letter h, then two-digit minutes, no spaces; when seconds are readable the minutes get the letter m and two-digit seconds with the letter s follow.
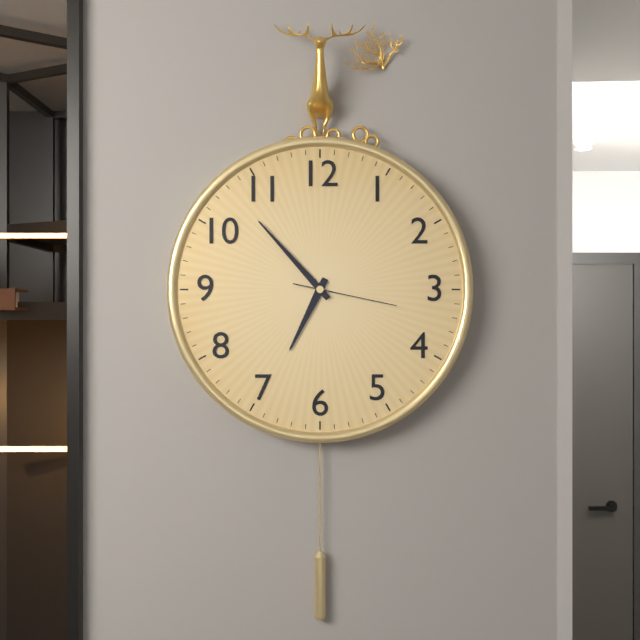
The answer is 6h53m17s
